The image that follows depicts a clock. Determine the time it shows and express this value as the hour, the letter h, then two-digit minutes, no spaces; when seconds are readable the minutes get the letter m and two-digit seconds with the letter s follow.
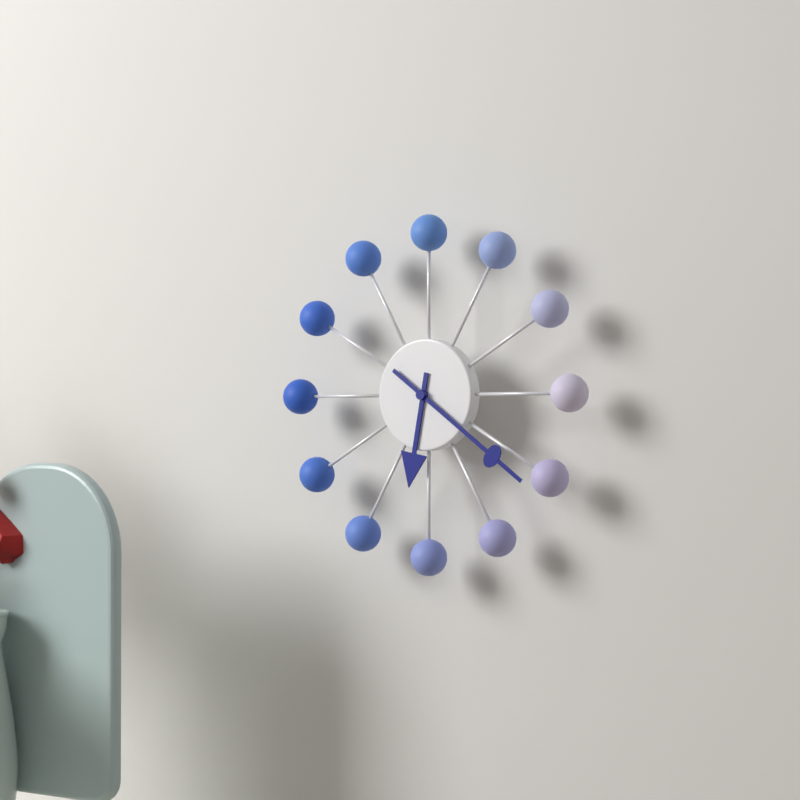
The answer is 6h21
